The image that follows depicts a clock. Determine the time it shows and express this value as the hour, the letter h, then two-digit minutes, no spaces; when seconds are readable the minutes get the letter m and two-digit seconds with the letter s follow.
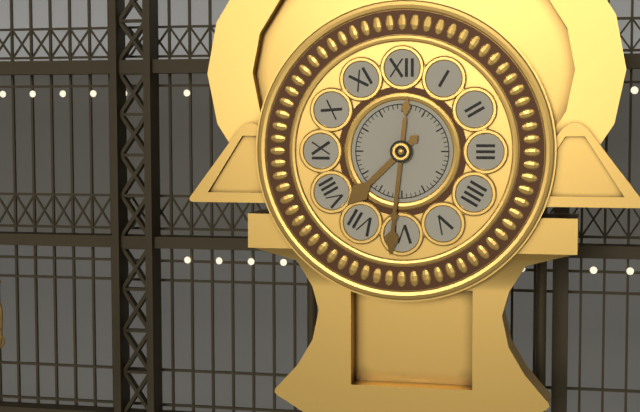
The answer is 7h31
